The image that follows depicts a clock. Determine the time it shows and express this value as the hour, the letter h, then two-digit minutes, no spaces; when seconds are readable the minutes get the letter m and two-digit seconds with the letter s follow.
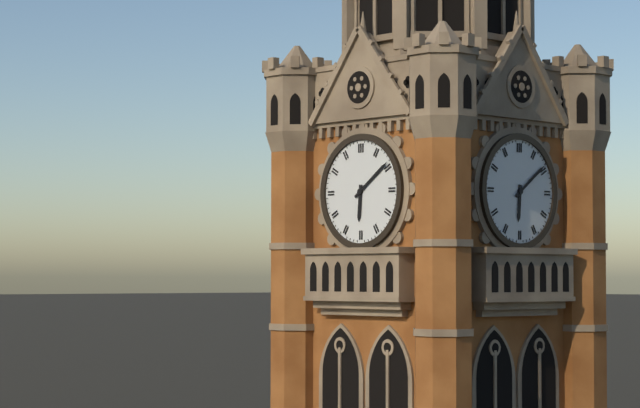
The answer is 6h09
